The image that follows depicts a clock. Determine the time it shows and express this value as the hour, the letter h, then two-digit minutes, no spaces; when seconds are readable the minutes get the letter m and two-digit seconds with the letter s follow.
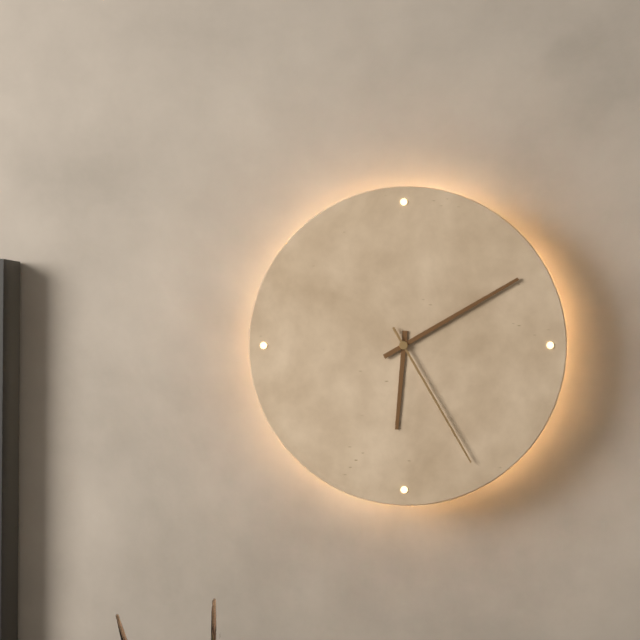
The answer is 6h10m25s
